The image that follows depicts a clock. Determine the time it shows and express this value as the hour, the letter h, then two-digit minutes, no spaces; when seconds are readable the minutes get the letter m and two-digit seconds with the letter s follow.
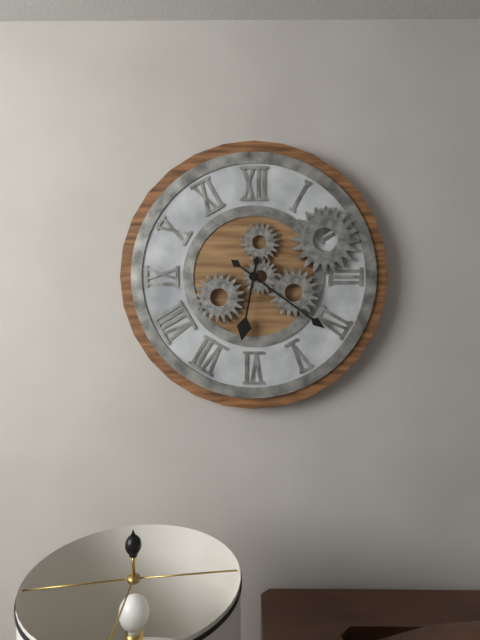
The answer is 6h21
